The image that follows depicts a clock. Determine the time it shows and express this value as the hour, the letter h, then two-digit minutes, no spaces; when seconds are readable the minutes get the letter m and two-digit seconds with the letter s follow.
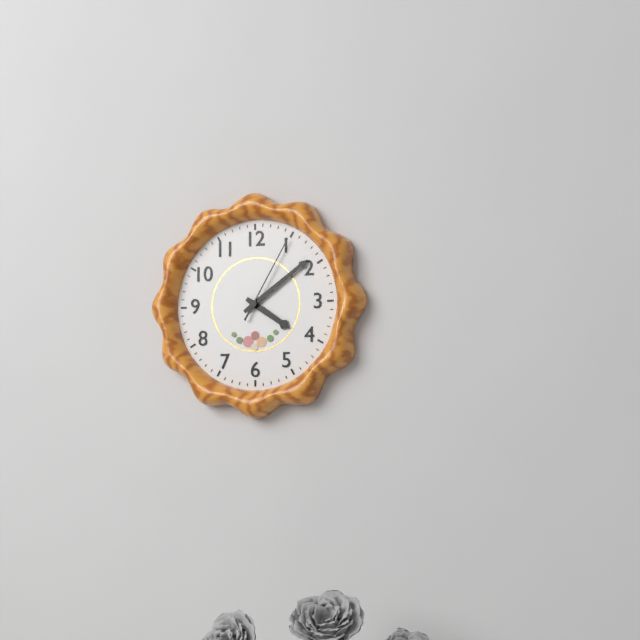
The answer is 4h09m05s
